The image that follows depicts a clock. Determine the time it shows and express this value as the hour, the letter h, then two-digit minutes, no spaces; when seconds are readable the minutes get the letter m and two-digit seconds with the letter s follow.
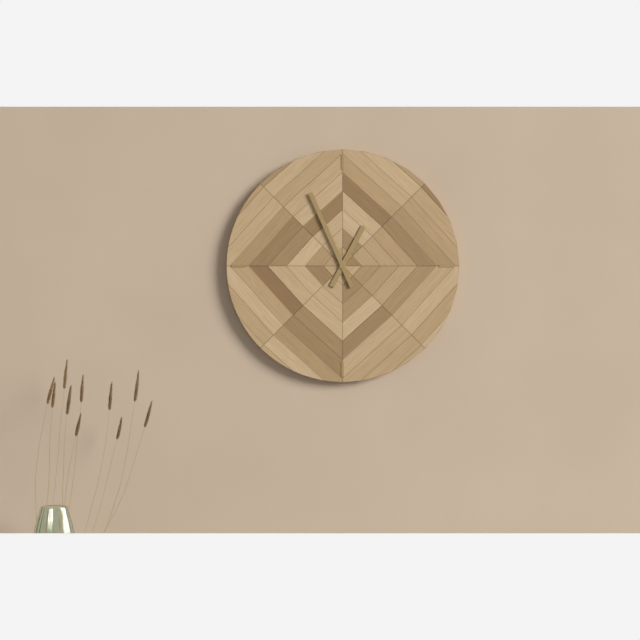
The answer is 12h56
